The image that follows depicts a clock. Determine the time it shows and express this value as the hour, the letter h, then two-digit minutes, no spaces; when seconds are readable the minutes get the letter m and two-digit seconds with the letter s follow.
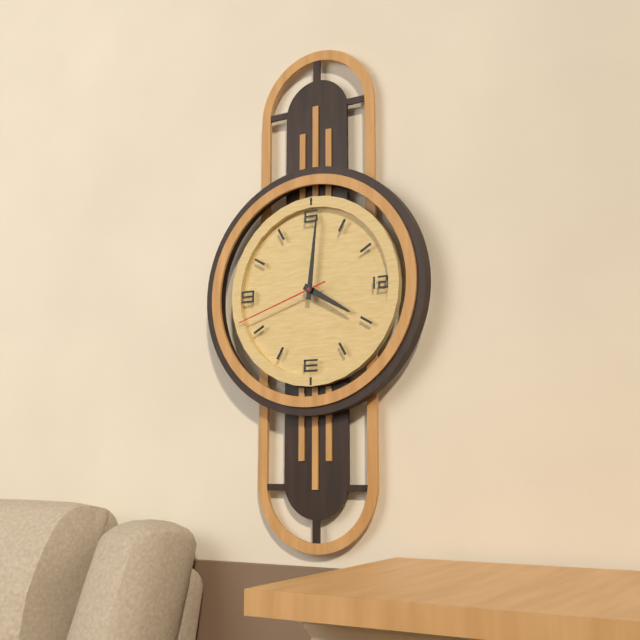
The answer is 4h01m42s
